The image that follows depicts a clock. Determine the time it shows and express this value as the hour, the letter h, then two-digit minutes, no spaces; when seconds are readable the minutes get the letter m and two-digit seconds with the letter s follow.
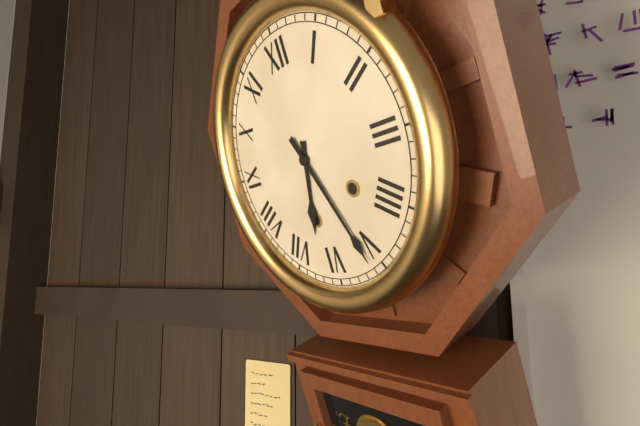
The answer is 6h26
